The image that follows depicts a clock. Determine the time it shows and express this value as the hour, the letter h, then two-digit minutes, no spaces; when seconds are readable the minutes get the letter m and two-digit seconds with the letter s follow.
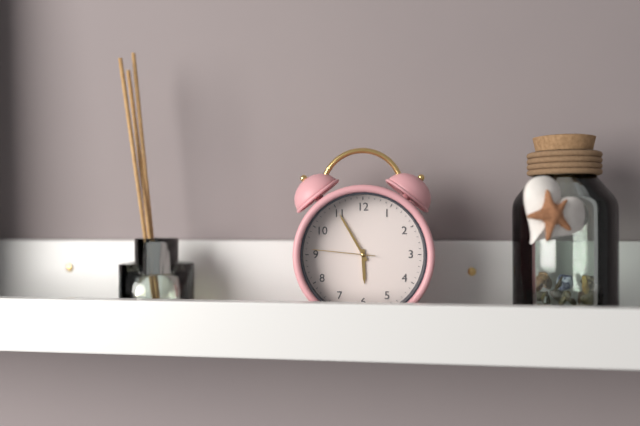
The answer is 5h55m46s
